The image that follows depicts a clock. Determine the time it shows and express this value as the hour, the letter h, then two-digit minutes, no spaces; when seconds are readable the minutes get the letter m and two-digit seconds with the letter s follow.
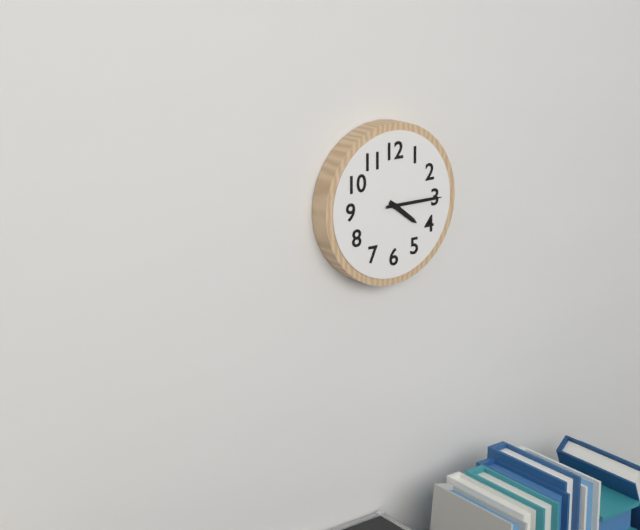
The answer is 4h15
